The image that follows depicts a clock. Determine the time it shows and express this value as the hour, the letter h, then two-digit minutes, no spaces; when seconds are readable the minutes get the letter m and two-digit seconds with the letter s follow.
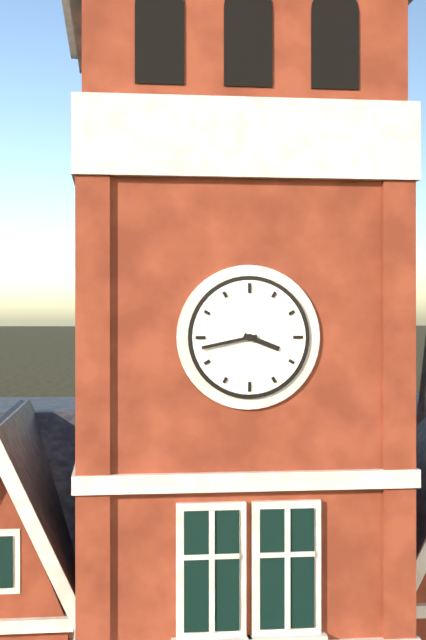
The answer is 3h43
